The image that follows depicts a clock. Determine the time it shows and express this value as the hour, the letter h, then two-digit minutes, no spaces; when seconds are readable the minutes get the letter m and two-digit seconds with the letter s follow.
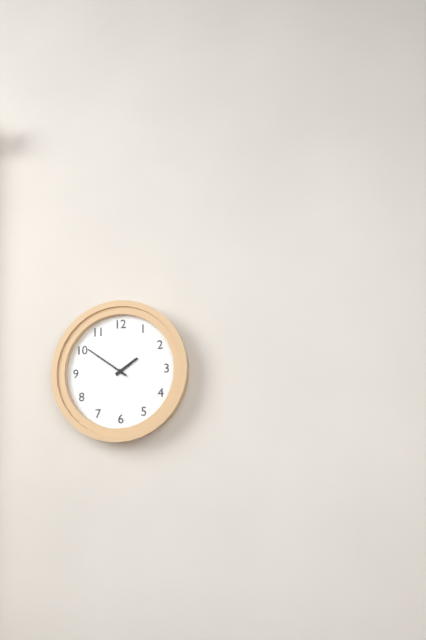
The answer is 1h51
